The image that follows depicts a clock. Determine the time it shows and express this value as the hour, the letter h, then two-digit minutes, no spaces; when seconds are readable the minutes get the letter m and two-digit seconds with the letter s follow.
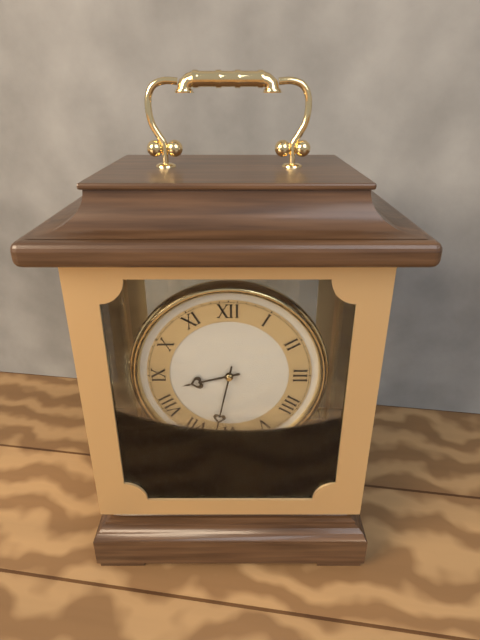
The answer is 8h32
